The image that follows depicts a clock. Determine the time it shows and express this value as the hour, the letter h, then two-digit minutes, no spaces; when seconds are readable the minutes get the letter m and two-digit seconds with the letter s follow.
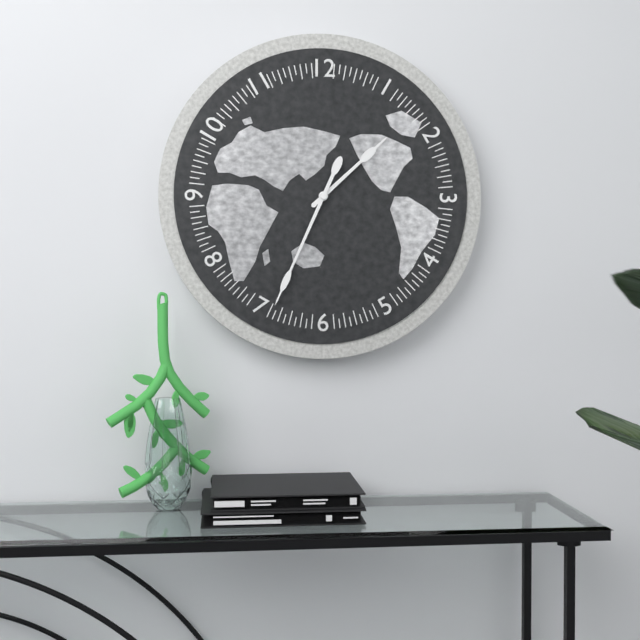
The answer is 1h34
